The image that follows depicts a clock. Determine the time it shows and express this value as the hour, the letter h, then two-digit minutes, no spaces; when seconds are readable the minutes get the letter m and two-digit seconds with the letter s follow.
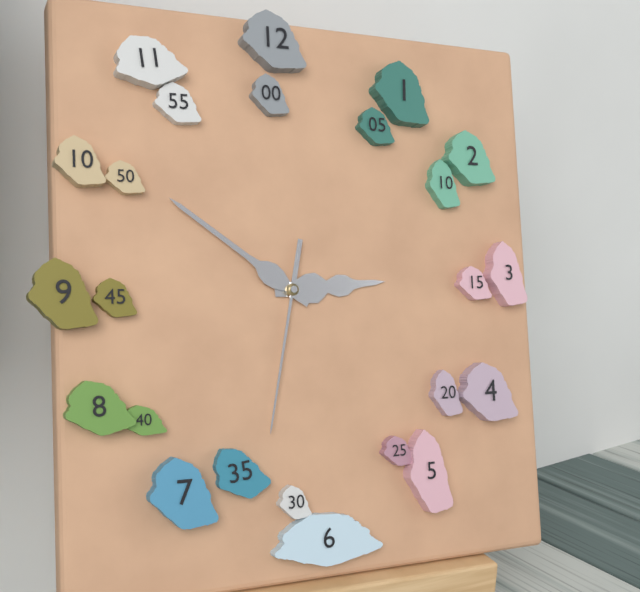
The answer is 2h51m32s
